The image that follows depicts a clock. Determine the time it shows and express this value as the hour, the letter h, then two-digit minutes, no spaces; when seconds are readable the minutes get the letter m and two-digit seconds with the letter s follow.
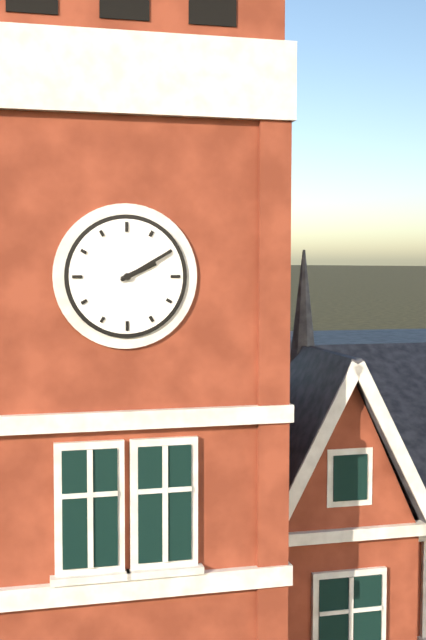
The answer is 2h10
